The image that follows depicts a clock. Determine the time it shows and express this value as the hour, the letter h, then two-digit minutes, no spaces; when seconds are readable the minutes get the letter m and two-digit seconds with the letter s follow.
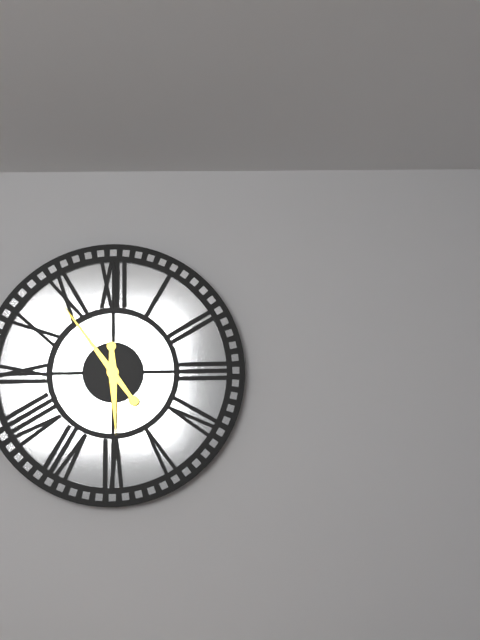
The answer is 5h54
